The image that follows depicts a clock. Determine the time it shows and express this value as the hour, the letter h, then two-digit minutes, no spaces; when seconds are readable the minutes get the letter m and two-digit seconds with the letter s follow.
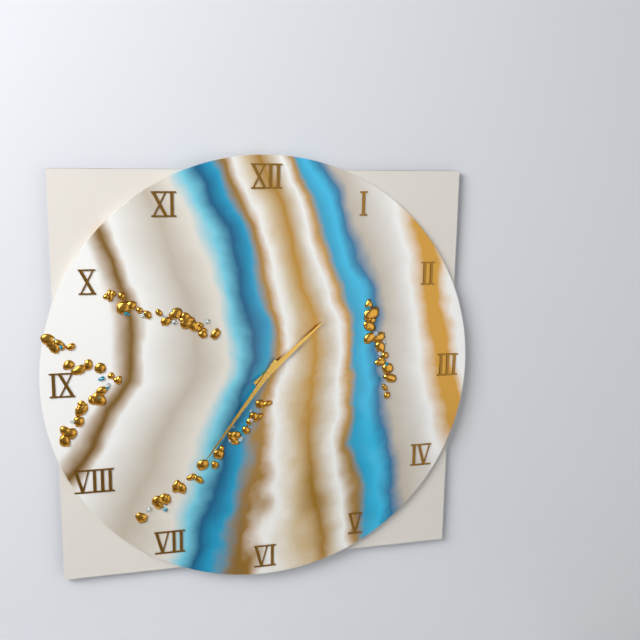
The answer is 1h36
